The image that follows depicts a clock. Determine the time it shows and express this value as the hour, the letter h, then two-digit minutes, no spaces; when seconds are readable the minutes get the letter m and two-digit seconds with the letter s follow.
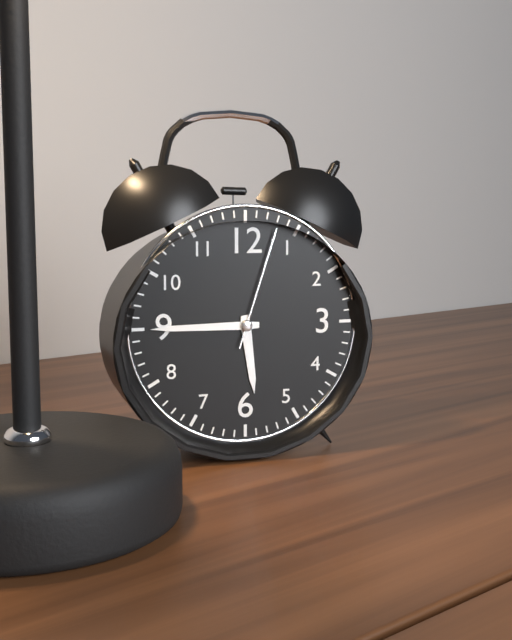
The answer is 5h45m03s
